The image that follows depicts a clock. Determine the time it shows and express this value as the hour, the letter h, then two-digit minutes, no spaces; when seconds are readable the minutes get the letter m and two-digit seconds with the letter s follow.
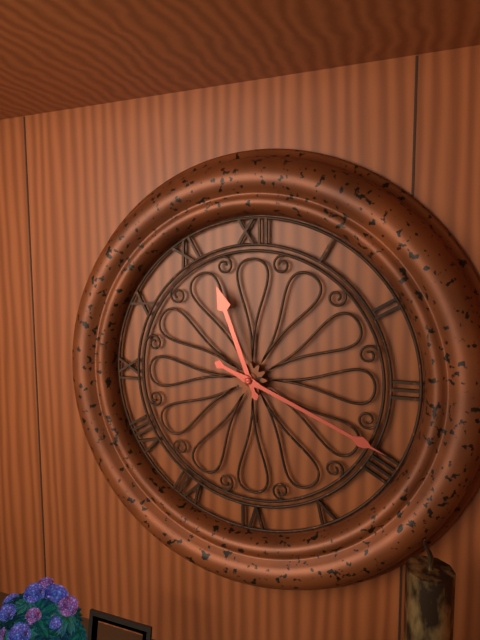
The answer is 11h19
